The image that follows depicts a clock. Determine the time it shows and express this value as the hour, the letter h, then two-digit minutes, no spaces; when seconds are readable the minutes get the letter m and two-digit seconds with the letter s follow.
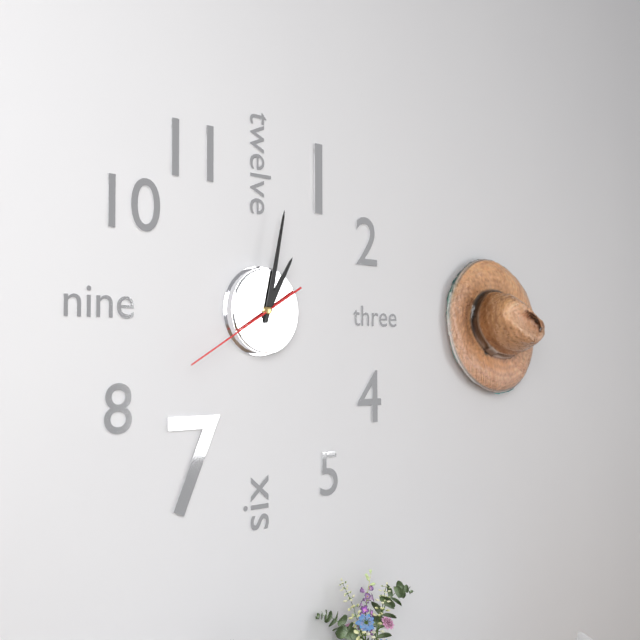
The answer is 1h02m40s
